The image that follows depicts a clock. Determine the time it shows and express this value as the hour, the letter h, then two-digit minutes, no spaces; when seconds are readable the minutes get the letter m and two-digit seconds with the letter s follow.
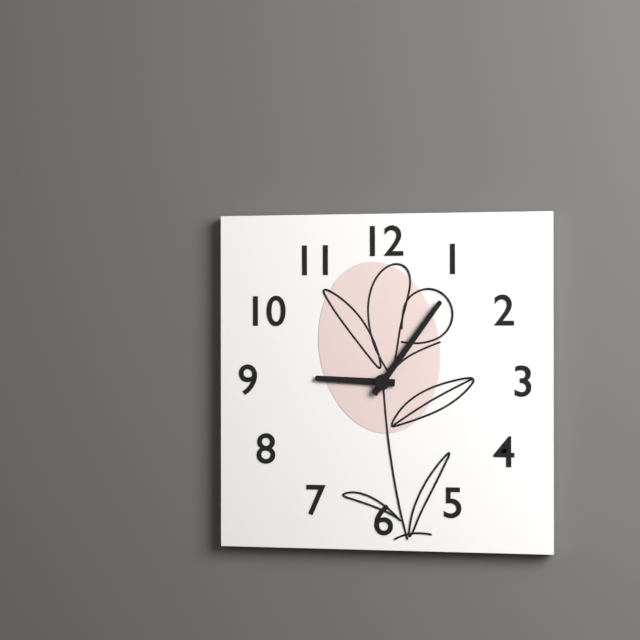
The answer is 9h06
